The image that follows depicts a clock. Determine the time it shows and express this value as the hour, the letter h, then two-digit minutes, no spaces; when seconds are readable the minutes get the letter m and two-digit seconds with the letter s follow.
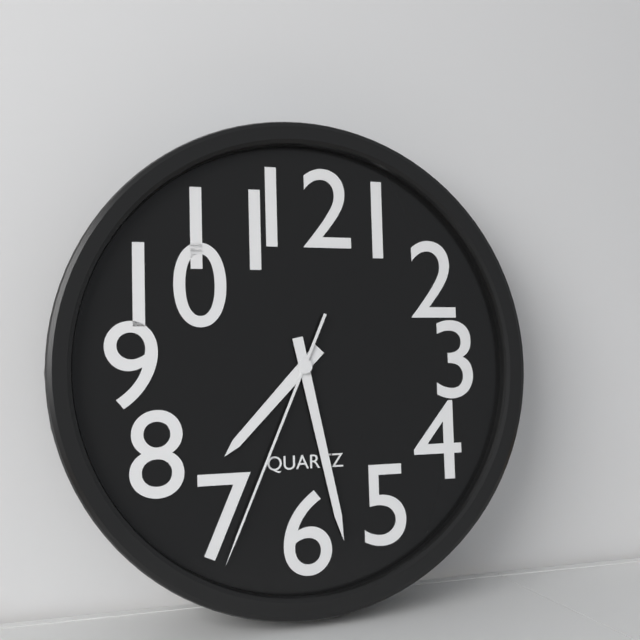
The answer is 7h28m34s
